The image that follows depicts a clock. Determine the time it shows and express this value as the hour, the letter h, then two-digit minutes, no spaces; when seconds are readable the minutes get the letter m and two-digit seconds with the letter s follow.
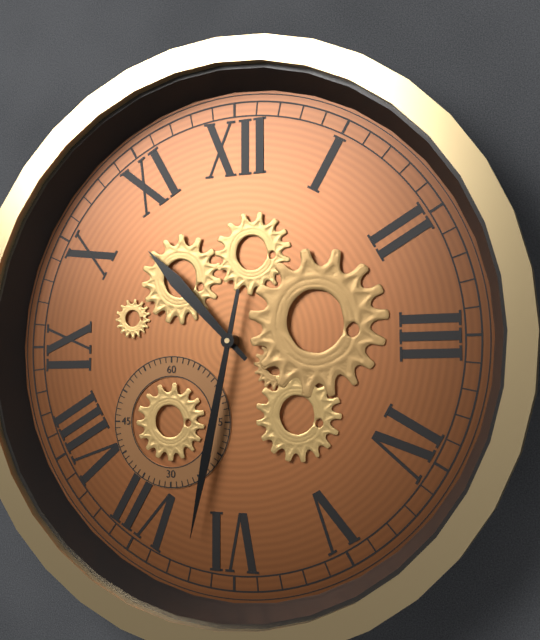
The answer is 10h32
